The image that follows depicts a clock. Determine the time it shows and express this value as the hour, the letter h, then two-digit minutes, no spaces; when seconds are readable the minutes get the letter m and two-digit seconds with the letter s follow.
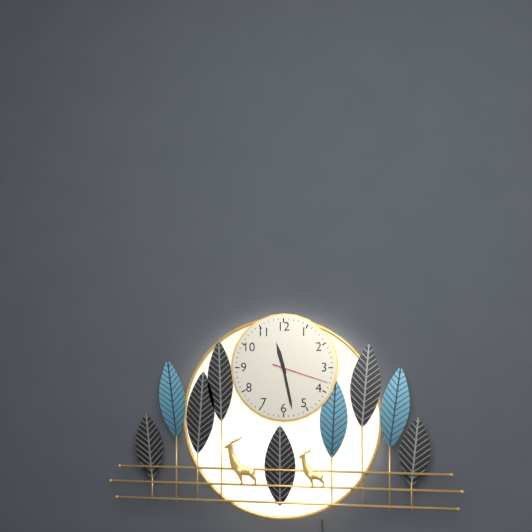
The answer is 11h28m18s
